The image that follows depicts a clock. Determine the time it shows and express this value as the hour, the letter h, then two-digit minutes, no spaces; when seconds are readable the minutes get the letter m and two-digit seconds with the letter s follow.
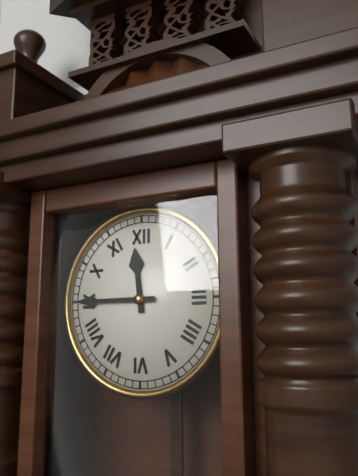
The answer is 11h45
